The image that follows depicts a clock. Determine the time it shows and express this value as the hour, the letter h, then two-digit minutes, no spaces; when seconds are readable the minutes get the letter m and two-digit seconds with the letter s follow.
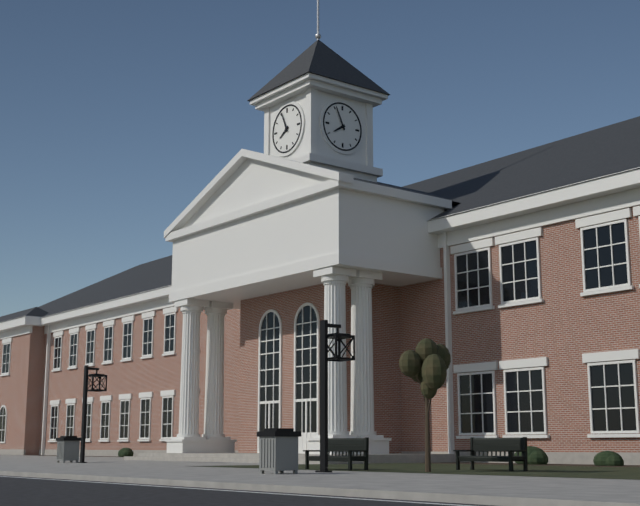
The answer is 7h56
